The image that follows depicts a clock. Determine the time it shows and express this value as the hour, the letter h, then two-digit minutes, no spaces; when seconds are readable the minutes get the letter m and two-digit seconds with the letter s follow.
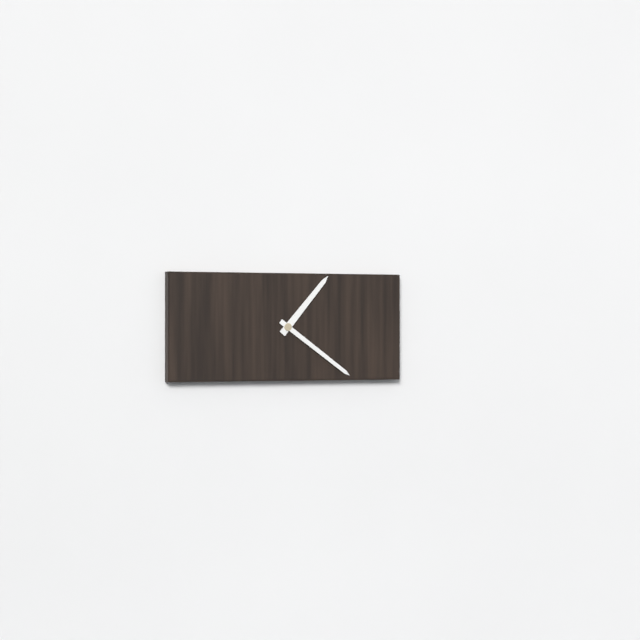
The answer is 1h21
